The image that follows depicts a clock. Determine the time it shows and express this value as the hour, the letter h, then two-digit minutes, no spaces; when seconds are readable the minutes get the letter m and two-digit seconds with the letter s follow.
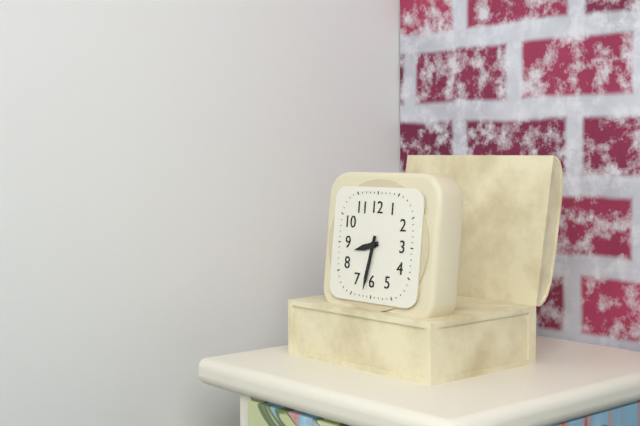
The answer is 8h32
